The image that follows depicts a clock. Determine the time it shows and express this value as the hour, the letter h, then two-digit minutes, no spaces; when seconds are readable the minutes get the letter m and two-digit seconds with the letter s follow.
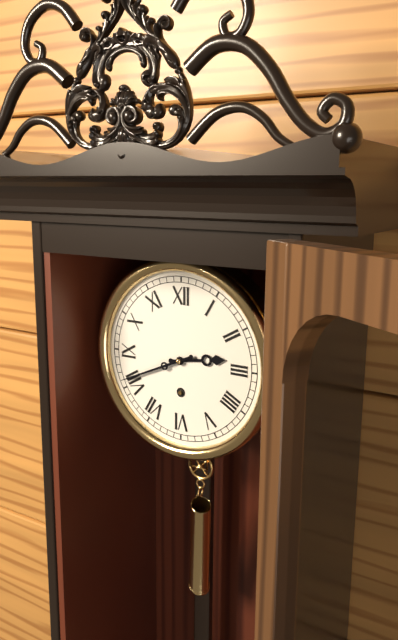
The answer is 2h41
